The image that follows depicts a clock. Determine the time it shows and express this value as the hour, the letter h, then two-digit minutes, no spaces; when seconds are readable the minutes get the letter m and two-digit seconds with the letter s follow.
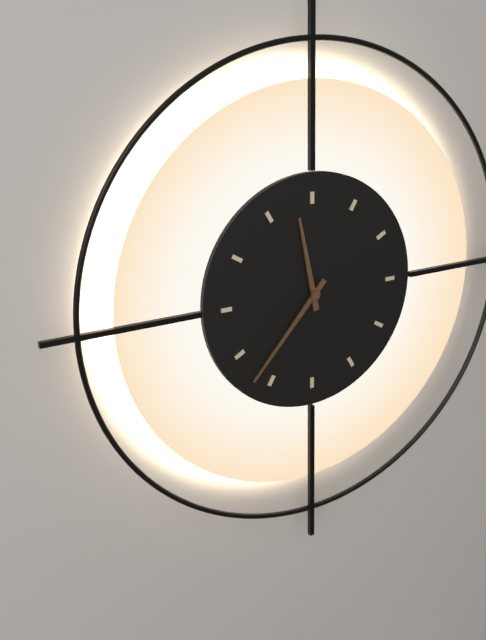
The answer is 11h37
